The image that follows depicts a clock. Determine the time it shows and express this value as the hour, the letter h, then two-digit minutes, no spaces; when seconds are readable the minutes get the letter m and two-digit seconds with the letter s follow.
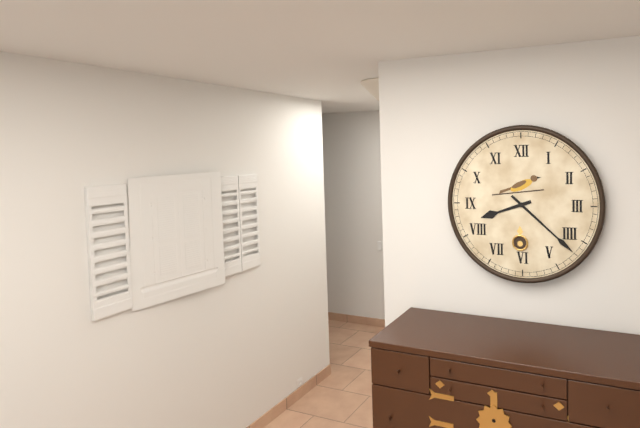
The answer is 8h22
